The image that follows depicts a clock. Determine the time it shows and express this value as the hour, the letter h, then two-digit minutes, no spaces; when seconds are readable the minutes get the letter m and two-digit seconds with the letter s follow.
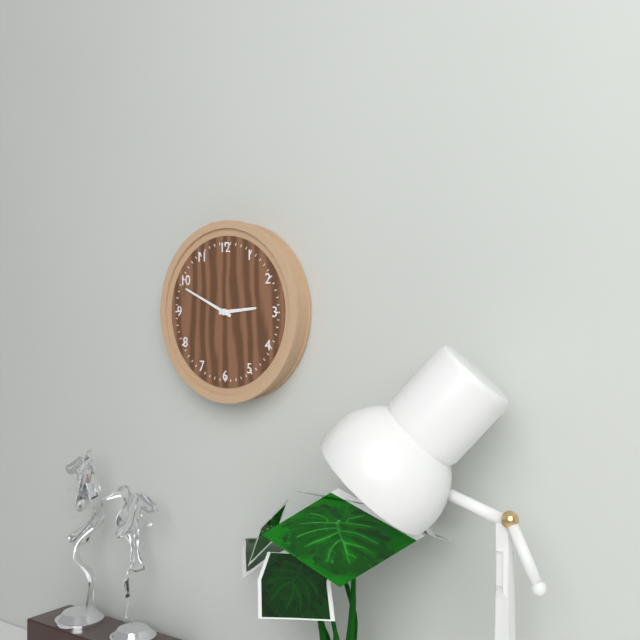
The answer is 2h49
